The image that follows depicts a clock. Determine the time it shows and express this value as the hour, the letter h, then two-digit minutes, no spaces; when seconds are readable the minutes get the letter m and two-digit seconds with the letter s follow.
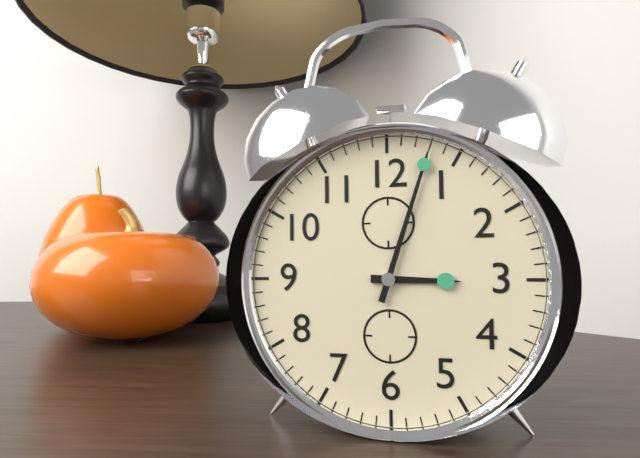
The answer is 3h03
